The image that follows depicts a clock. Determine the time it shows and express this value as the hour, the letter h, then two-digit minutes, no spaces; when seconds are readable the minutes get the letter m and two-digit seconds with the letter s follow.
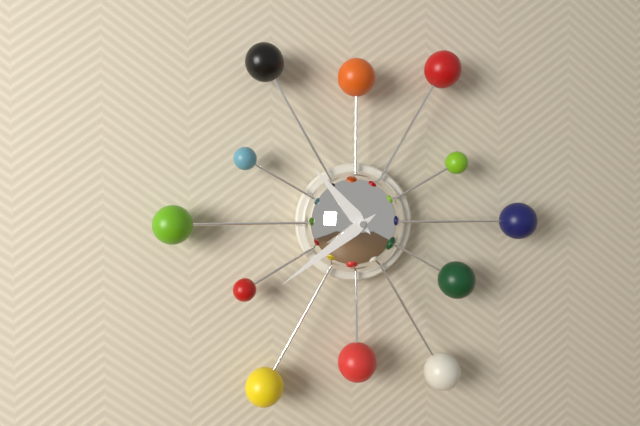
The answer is 10h39
